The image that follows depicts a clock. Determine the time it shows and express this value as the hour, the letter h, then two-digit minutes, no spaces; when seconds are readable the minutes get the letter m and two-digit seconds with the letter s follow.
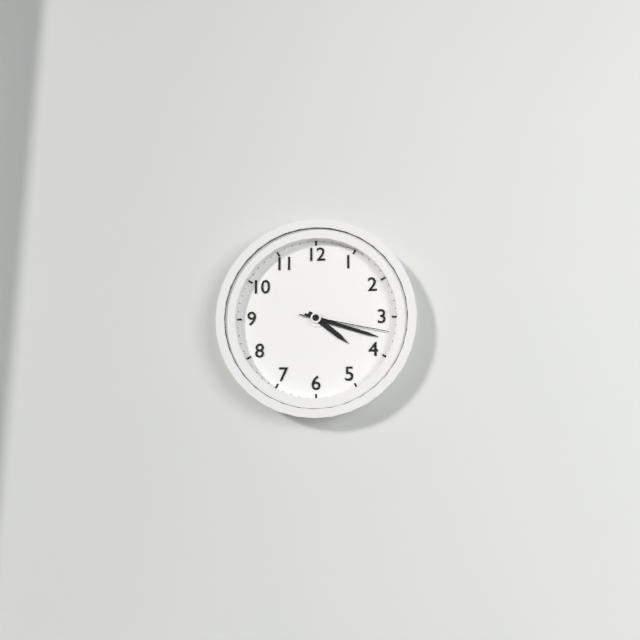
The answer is 4h18m17s
